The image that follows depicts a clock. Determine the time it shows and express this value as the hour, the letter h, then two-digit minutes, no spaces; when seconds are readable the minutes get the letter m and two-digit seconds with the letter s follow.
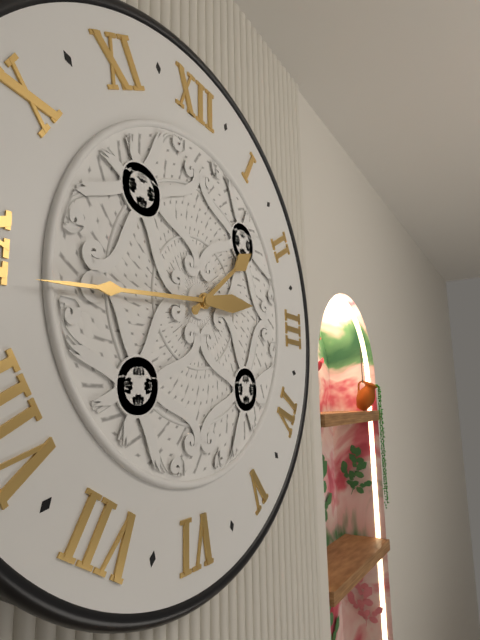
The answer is 1h44
